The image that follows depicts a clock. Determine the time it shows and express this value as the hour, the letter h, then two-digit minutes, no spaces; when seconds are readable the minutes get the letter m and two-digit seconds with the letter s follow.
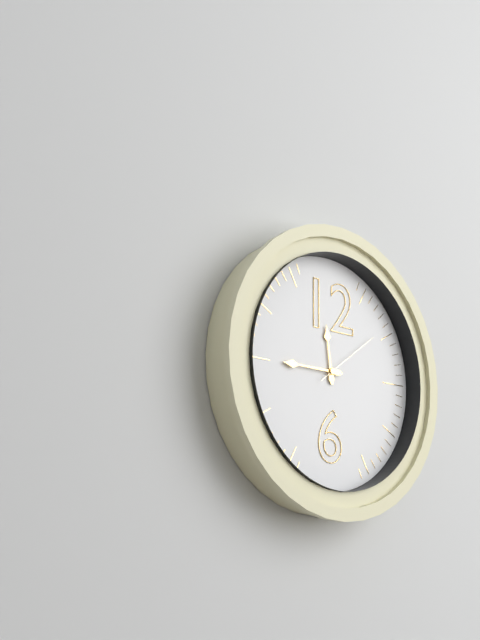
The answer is 11h45m09s
